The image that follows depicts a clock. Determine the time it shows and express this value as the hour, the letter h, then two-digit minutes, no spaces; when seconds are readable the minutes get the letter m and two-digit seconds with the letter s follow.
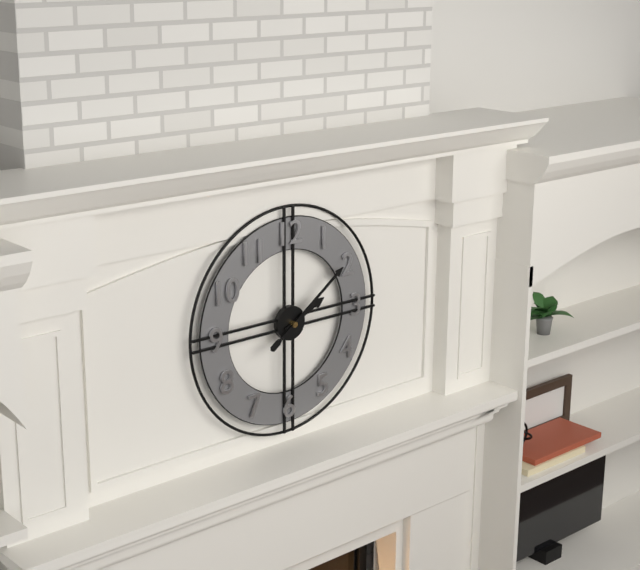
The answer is 2h09
